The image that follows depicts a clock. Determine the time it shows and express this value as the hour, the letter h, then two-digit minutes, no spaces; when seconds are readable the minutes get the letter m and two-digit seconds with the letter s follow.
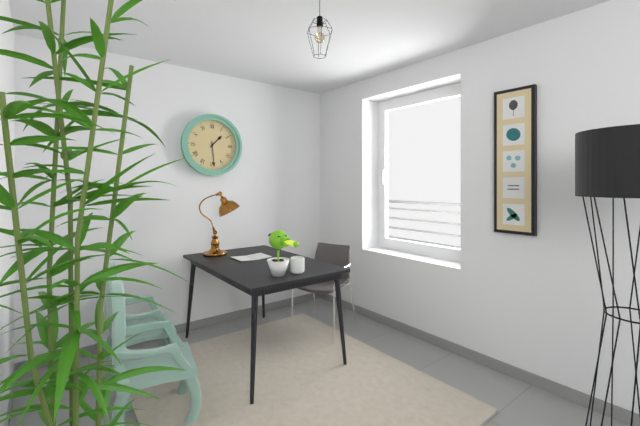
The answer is 1h29
